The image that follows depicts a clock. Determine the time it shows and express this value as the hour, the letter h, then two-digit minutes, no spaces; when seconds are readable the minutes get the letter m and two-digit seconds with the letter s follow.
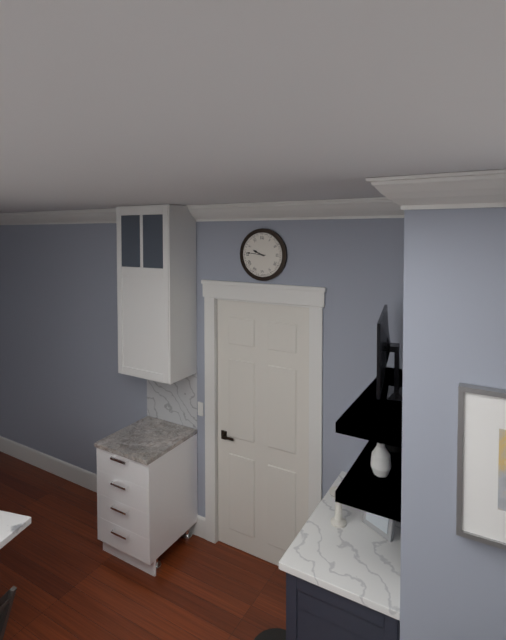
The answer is 9h46
